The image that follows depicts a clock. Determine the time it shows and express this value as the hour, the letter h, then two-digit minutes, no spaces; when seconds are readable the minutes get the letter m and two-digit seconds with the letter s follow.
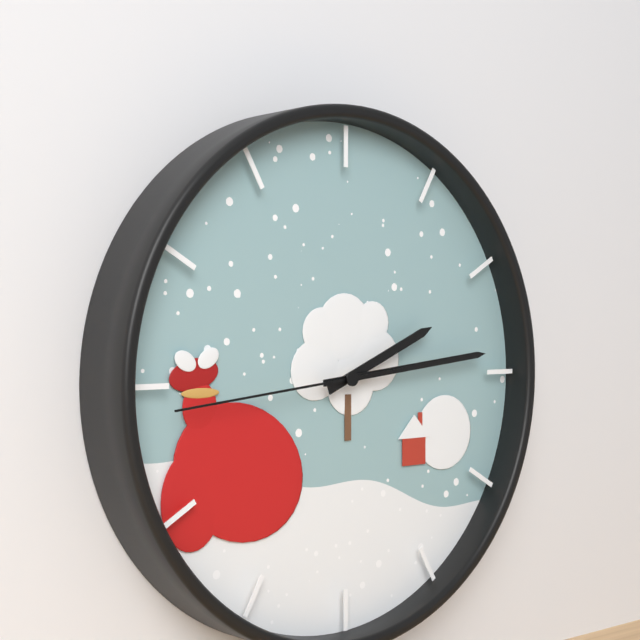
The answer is 2h14m44s
